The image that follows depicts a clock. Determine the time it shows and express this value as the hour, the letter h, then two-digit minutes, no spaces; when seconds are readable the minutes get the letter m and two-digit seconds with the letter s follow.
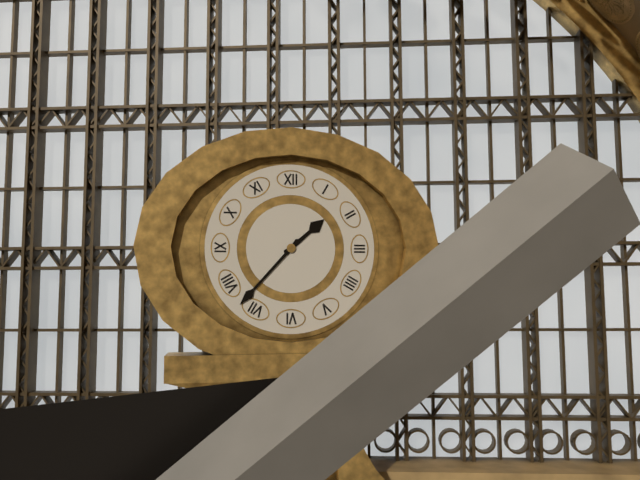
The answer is 1h37
